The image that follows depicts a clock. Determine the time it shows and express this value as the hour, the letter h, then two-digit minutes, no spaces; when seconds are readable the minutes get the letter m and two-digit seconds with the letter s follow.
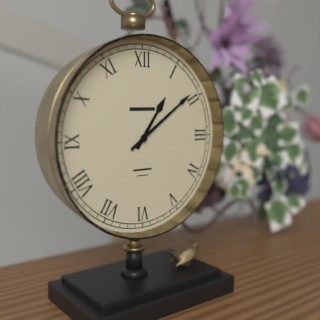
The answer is 1h09
